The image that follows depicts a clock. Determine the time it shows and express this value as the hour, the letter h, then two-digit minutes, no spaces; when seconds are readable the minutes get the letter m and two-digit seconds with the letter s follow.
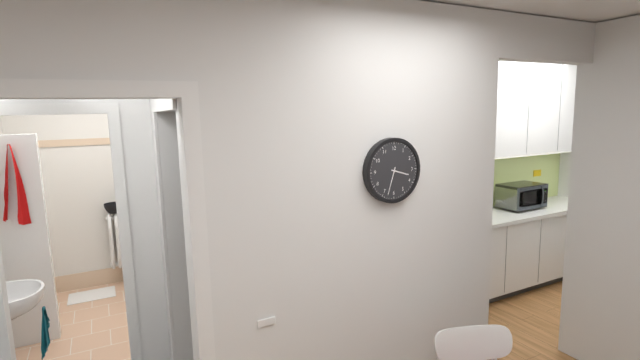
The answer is 3h33
